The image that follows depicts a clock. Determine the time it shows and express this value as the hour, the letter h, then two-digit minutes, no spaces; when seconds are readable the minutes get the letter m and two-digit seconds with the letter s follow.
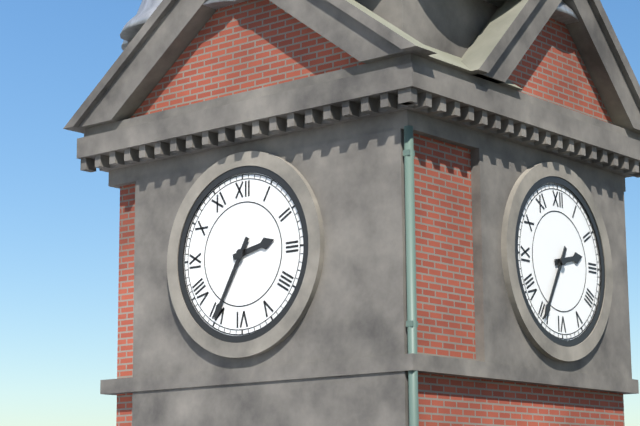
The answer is 2h35
